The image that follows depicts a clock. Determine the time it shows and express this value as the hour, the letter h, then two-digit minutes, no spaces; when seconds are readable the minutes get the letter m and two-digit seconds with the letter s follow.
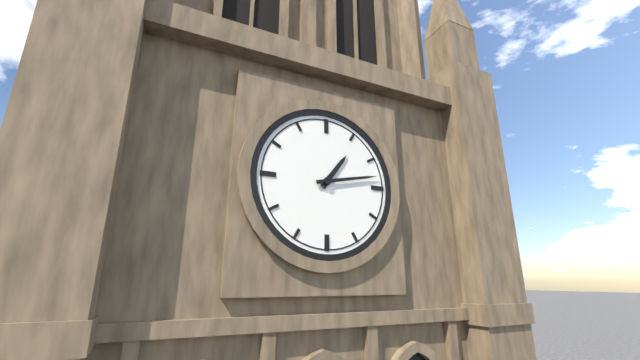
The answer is 1h13
